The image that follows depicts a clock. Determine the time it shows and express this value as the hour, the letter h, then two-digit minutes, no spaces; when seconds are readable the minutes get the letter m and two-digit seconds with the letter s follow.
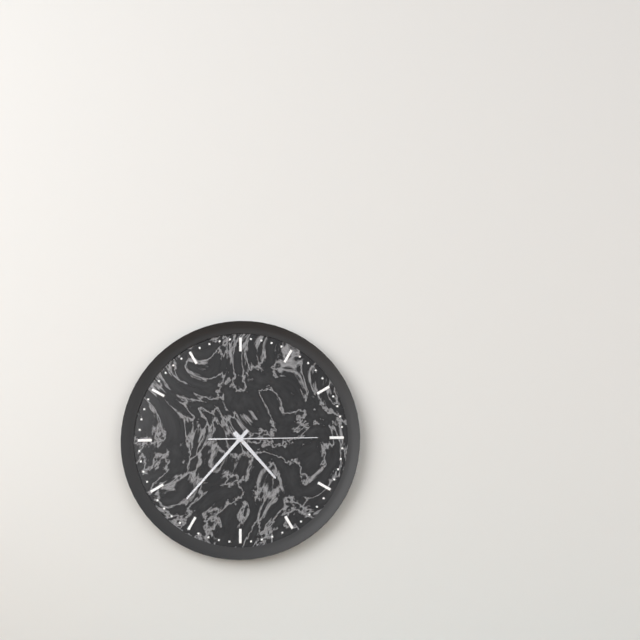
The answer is 4h37m15s
